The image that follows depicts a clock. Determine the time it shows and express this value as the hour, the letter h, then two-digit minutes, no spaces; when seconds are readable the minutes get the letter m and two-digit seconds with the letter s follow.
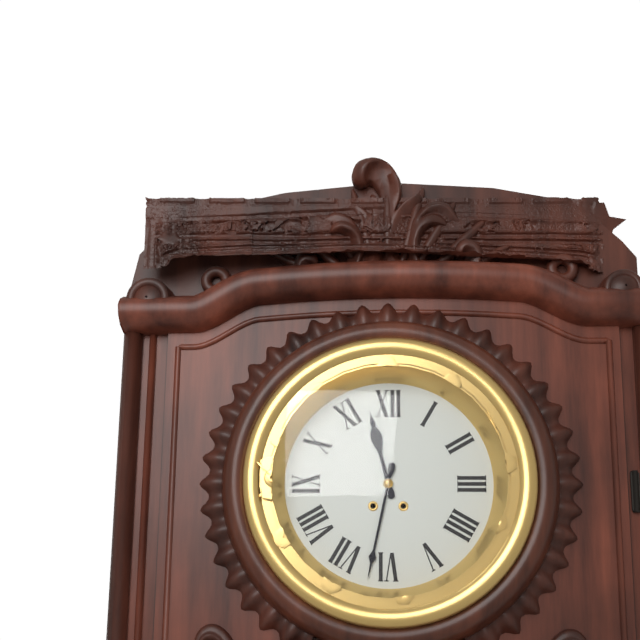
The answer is 11h32
